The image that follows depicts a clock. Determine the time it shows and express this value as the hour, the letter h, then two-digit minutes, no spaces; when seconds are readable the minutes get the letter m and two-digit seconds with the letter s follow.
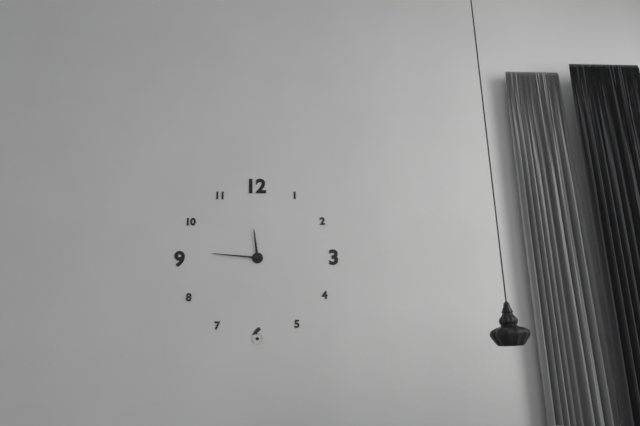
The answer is 11h46
